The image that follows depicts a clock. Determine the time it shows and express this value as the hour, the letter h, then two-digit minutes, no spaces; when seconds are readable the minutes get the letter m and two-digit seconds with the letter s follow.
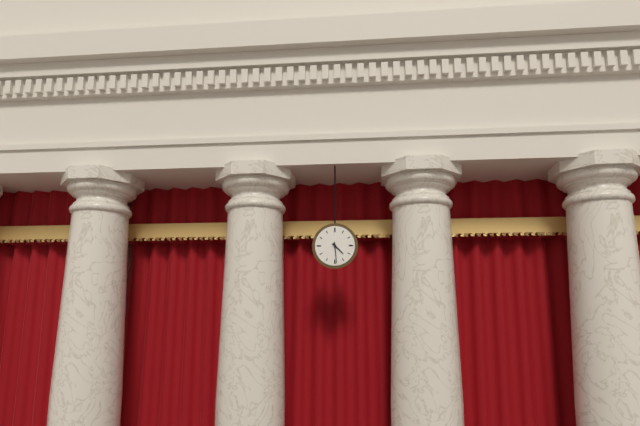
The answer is 4h29
